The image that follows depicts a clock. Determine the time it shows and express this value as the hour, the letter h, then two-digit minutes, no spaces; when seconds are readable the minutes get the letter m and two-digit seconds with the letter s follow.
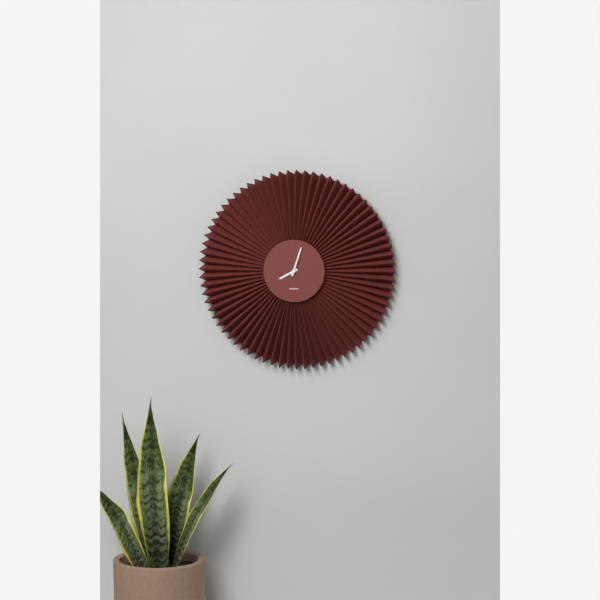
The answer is 8h03
